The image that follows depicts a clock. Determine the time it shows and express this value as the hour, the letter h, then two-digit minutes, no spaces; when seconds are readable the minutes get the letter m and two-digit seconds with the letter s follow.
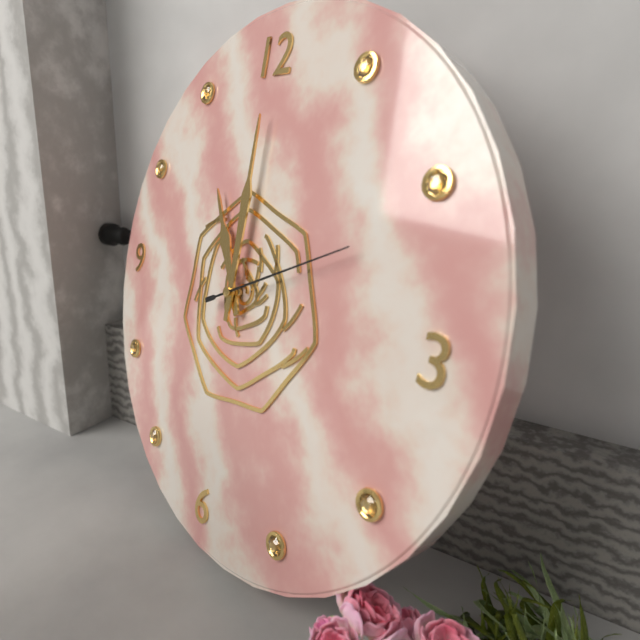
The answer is 11h00m11s
